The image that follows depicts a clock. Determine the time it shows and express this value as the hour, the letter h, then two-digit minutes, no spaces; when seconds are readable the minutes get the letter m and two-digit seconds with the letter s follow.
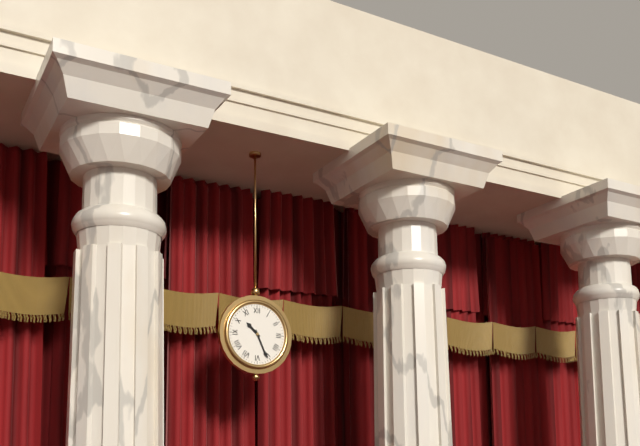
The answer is 10h26
